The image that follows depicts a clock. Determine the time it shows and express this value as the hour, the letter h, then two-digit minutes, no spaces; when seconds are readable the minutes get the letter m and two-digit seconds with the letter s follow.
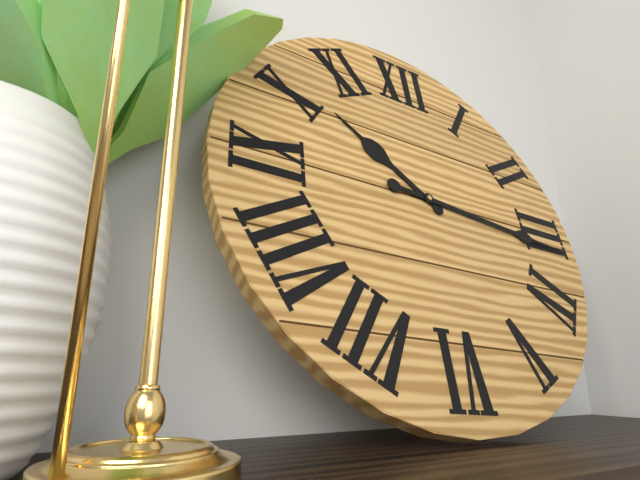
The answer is 10h16
